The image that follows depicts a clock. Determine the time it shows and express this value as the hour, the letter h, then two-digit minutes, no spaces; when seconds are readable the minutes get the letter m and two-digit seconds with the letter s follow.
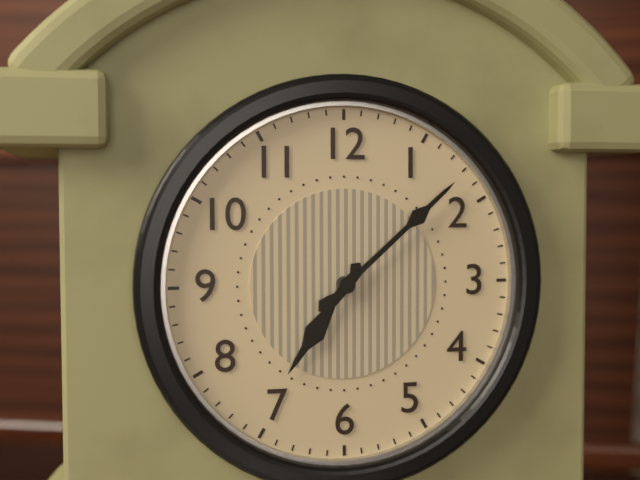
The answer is 7h08
